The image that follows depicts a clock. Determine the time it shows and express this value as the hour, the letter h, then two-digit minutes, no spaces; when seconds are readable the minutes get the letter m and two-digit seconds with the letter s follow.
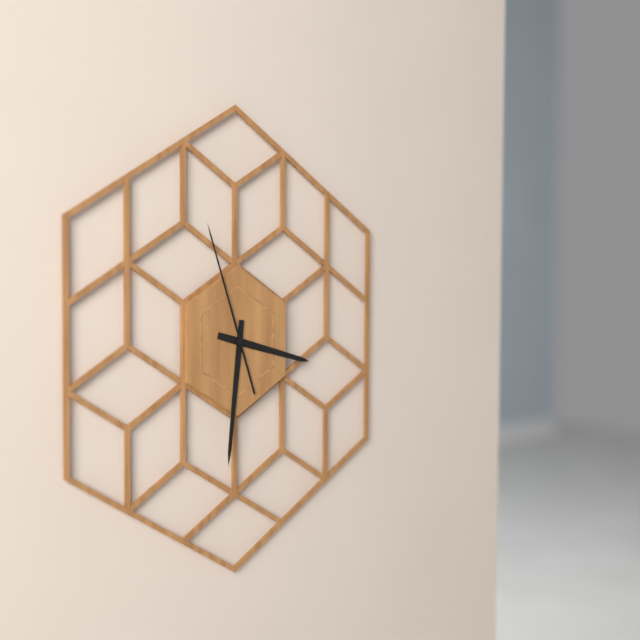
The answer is 3h31m57s
